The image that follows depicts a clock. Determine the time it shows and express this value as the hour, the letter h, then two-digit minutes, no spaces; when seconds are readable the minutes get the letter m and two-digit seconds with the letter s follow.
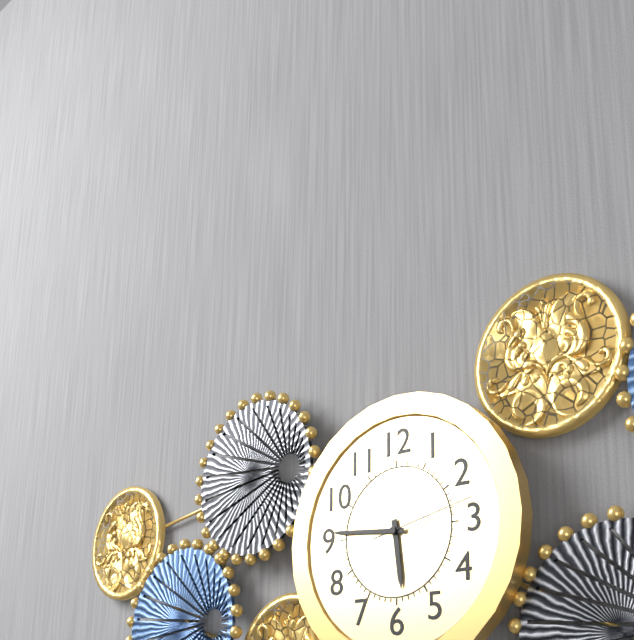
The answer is 5h46m13s
